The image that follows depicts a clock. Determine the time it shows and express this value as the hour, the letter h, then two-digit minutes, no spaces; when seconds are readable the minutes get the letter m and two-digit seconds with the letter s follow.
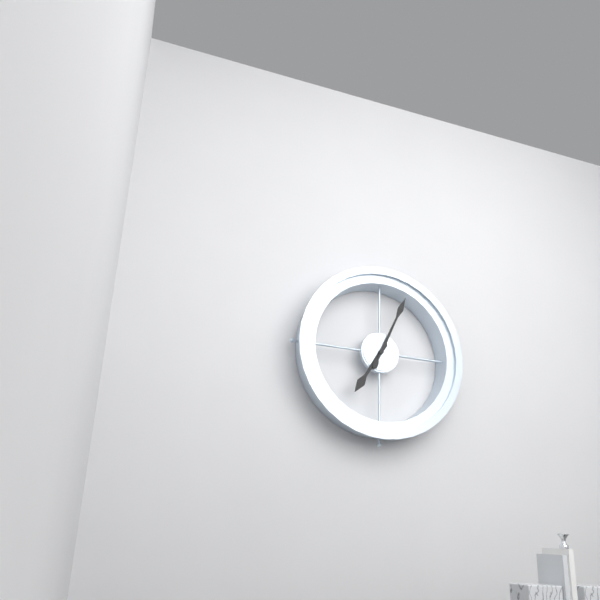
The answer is 7h04
